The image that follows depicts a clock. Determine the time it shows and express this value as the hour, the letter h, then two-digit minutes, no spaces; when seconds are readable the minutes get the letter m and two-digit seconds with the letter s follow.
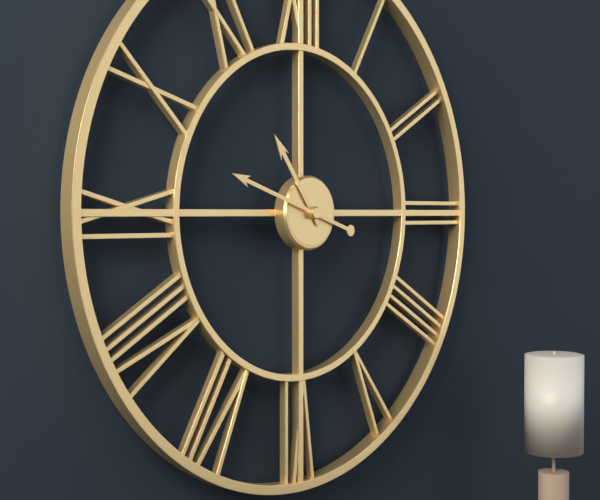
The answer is 10h48
